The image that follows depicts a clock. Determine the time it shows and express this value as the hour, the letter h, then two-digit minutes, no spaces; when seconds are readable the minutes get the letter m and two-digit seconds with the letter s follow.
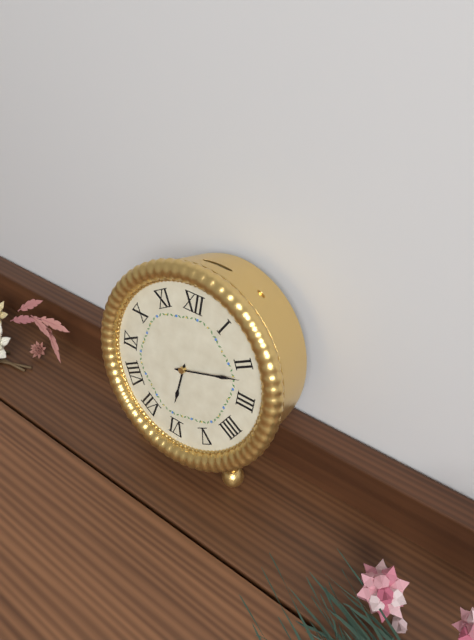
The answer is 6h12
